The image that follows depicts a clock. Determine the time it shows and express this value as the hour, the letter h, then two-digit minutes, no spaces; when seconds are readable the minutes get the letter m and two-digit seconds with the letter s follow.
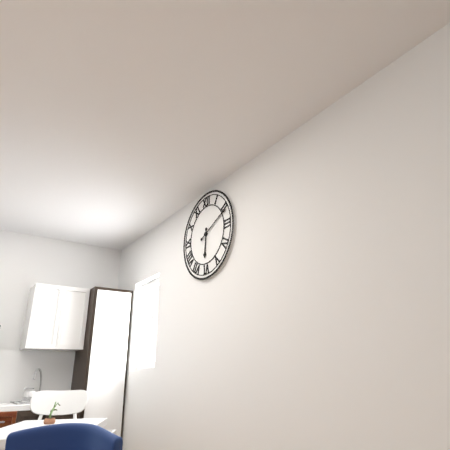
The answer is 6h11
